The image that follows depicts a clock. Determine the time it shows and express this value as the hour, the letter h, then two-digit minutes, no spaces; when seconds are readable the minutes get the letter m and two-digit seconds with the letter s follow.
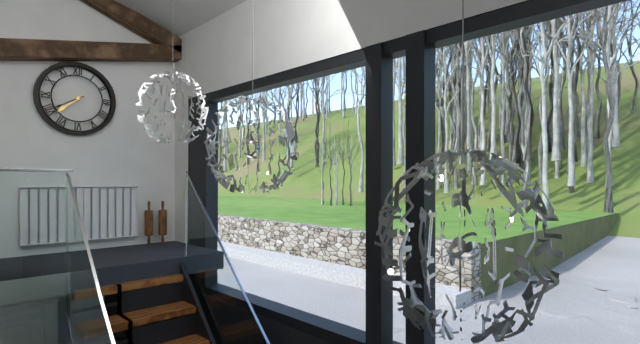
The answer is 7h40
